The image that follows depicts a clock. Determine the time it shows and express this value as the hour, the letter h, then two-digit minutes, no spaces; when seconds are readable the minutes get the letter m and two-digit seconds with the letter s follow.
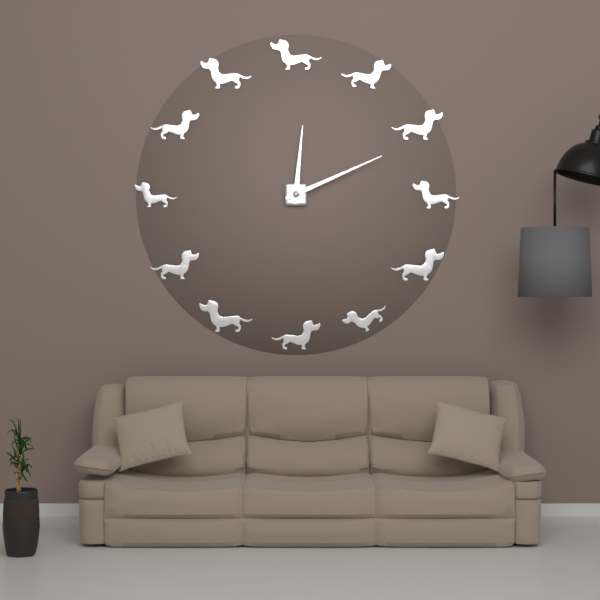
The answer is 12h11
